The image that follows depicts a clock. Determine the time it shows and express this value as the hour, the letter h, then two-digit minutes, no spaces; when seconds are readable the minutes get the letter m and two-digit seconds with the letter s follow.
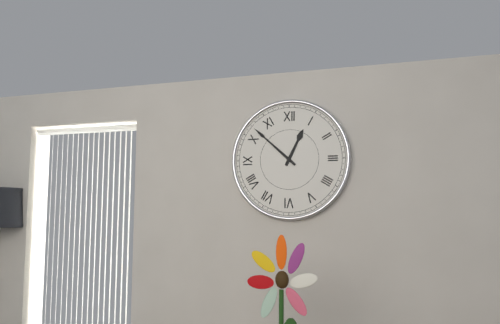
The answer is 12h52
